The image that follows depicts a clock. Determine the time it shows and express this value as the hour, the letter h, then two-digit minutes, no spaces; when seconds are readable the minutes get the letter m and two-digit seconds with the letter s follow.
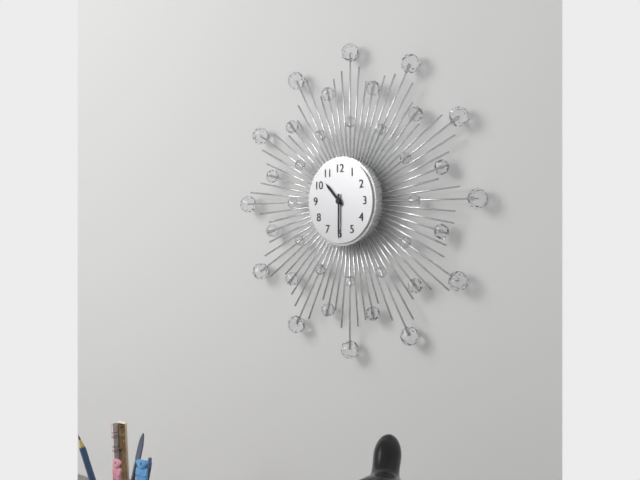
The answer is 10h30
